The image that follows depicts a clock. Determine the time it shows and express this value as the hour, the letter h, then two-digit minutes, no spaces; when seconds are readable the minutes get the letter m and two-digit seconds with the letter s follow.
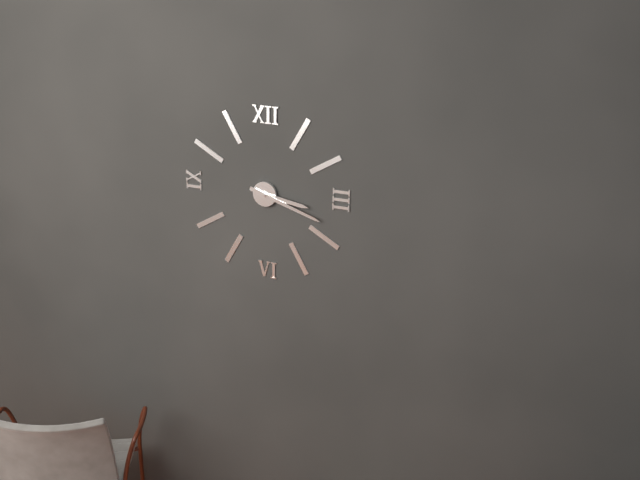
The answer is 3h18
